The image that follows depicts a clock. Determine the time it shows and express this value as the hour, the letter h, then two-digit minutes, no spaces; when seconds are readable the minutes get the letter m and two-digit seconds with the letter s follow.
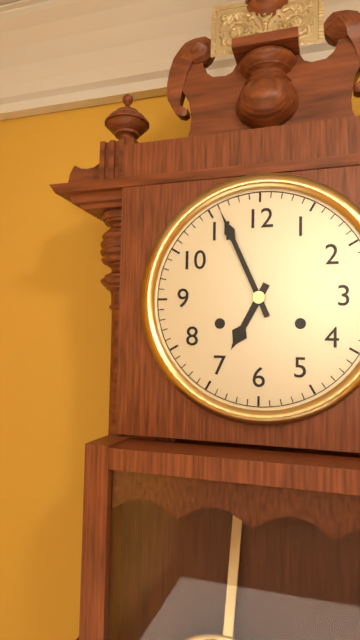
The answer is 6h56
